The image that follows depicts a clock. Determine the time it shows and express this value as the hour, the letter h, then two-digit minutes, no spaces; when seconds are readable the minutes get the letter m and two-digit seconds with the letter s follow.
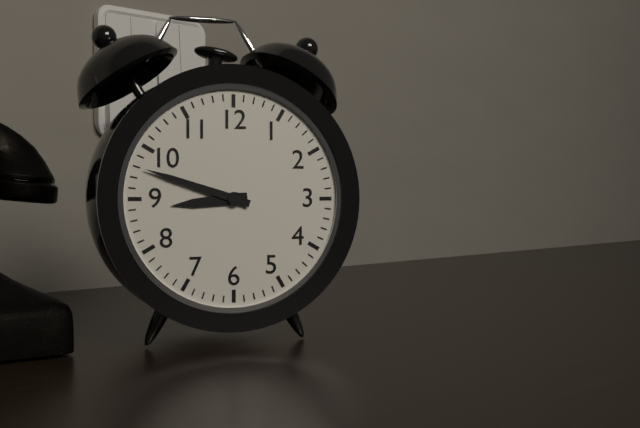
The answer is 8h48
